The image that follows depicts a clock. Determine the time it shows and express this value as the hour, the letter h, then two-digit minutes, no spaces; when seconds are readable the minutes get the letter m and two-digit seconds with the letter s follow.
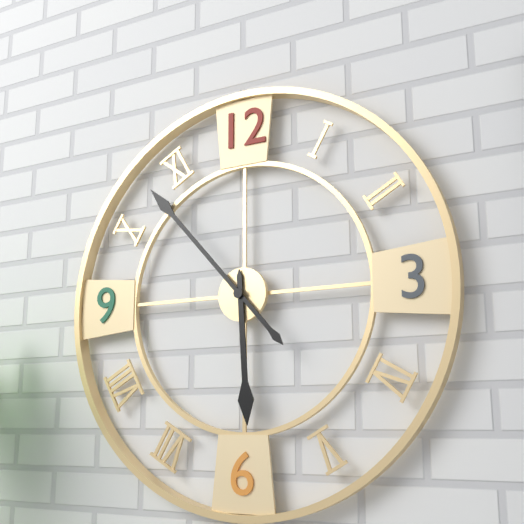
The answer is 5h53
